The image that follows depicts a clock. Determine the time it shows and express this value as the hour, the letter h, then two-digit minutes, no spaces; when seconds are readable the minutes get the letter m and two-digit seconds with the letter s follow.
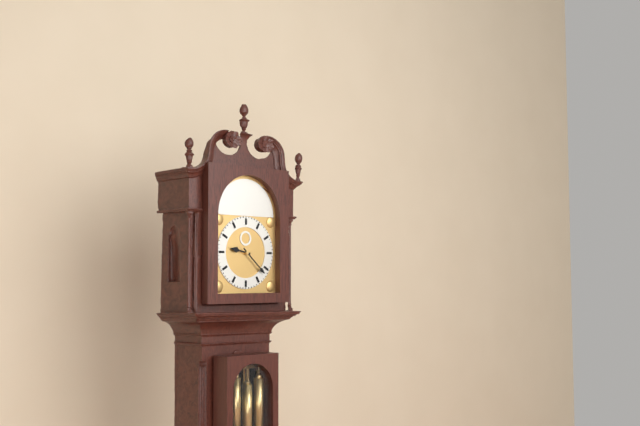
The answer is 9h22
